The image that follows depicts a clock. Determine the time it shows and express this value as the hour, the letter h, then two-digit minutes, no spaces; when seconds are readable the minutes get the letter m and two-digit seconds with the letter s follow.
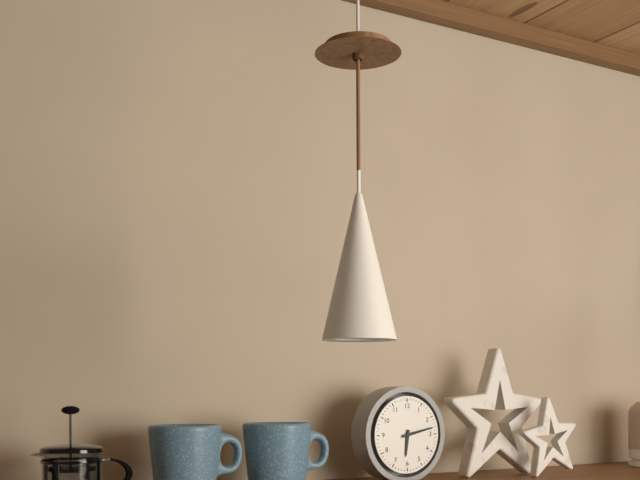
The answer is 6h13
